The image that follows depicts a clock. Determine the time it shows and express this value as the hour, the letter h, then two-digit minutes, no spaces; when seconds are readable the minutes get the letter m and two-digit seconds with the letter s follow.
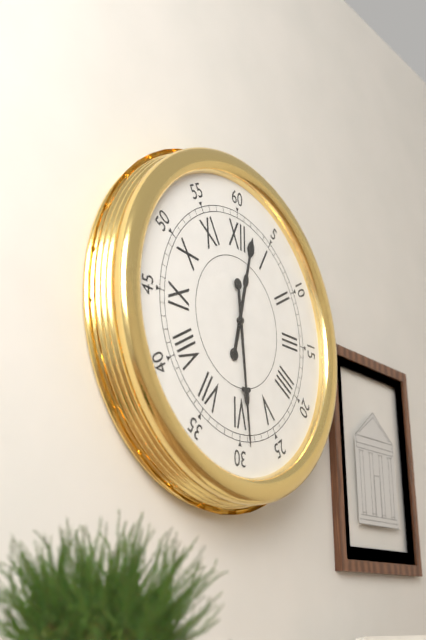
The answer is 12h29
